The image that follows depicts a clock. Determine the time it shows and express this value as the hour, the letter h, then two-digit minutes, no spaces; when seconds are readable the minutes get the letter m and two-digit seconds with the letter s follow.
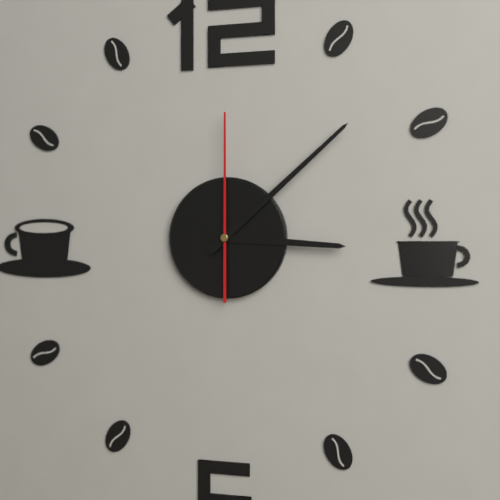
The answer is 3h08m00s
